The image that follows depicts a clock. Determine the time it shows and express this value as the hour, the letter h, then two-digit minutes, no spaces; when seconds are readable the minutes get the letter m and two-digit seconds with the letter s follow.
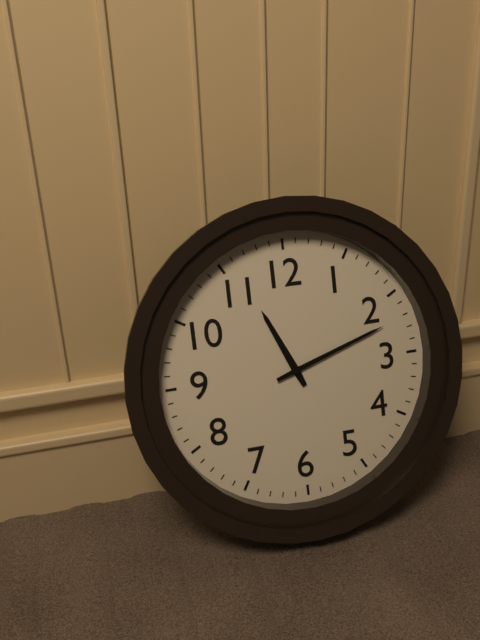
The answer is 11h12
